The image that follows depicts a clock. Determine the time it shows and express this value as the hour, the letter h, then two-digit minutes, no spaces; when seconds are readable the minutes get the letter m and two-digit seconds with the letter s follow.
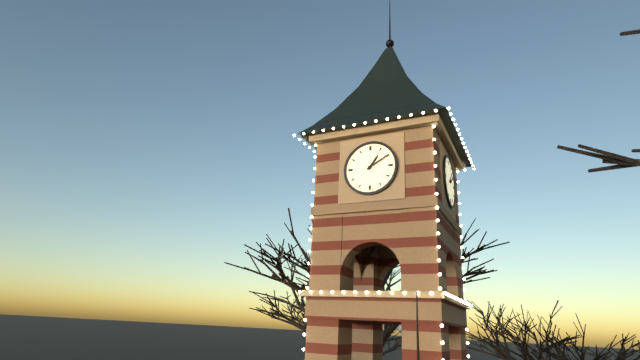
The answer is 1h10
